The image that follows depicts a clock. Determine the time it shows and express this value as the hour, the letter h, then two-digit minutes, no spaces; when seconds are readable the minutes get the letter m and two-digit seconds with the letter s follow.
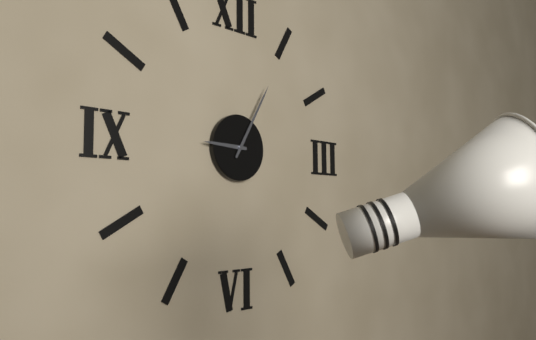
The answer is 9h05
